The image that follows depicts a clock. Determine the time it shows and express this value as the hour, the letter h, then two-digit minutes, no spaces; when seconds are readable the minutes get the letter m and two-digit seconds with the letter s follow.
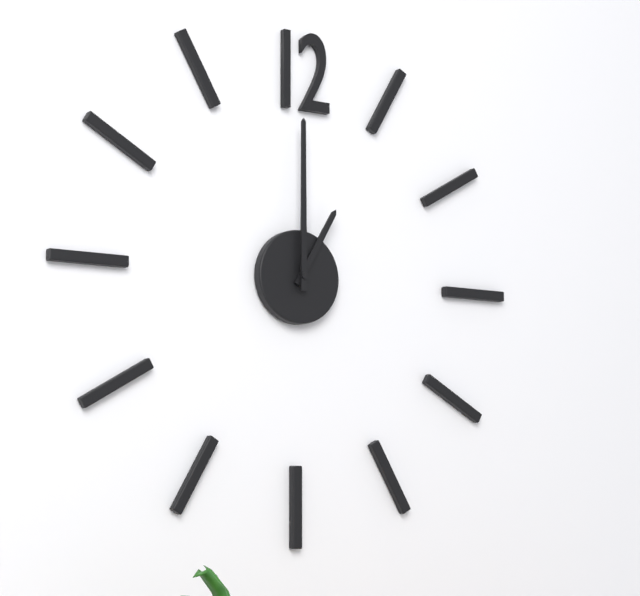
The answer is 1h00
